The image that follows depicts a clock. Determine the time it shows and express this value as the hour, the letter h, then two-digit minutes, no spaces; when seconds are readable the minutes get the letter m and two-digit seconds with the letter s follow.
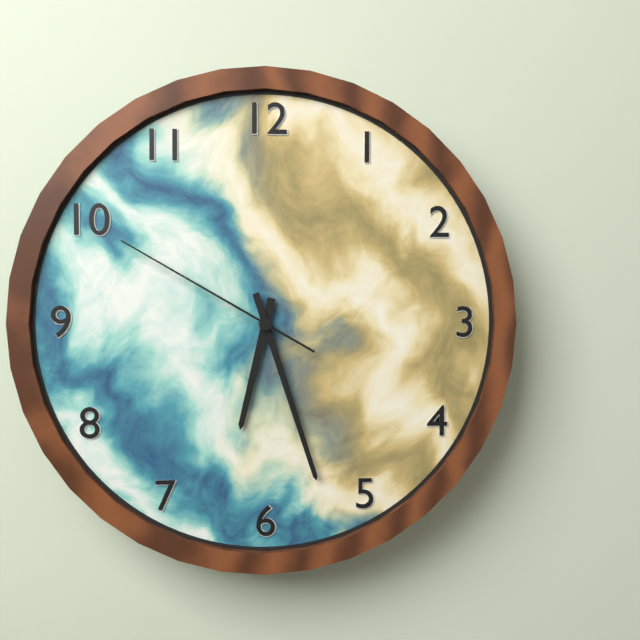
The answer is 6h27m50s
